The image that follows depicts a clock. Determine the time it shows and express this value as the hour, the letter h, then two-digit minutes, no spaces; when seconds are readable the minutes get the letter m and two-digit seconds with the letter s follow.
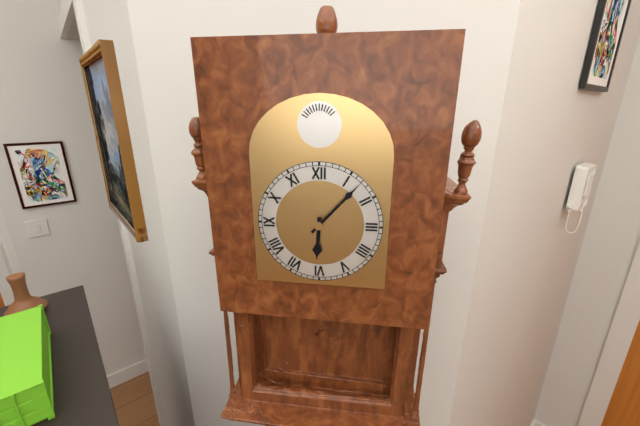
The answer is 6h07
